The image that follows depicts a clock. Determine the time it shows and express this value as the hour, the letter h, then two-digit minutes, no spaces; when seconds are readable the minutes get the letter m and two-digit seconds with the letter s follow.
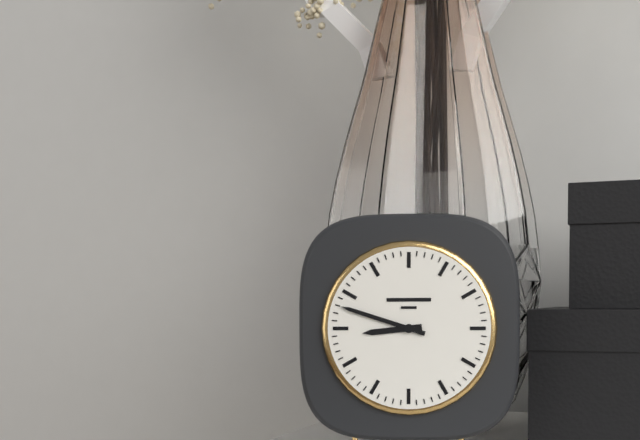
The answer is 8h48
